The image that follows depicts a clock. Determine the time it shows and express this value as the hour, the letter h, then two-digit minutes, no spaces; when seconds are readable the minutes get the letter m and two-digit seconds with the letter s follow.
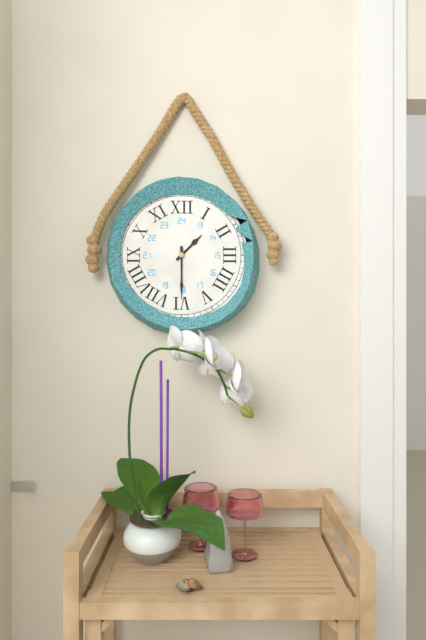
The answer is 1h30
